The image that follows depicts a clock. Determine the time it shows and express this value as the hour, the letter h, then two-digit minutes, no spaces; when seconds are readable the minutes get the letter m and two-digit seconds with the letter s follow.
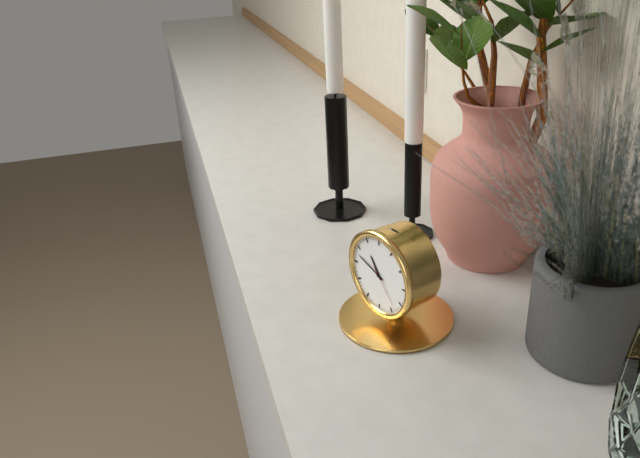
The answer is 10h48
